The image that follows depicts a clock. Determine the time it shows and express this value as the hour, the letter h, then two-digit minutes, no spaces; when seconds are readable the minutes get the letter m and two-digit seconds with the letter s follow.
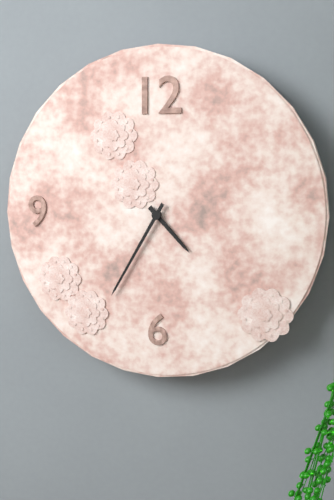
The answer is 4h35
